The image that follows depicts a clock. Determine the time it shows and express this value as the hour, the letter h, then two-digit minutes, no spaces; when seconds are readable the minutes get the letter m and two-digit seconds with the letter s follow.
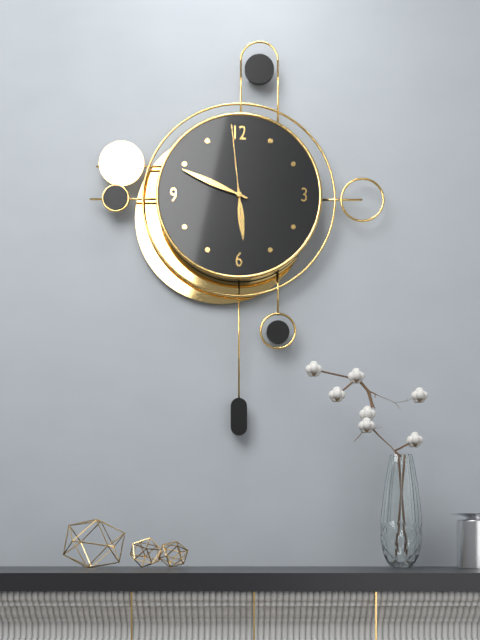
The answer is 5h49m59s
